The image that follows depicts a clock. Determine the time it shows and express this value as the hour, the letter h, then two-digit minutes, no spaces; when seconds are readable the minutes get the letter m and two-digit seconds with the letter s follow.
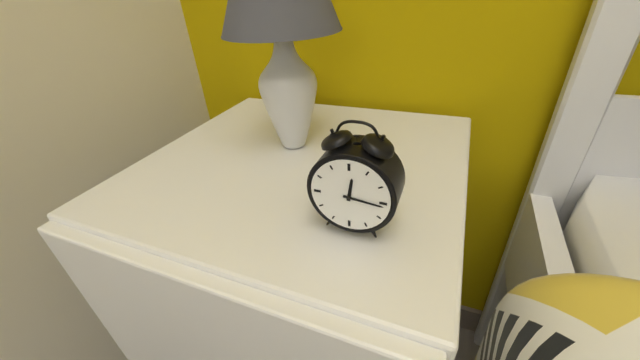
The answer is 12h16
